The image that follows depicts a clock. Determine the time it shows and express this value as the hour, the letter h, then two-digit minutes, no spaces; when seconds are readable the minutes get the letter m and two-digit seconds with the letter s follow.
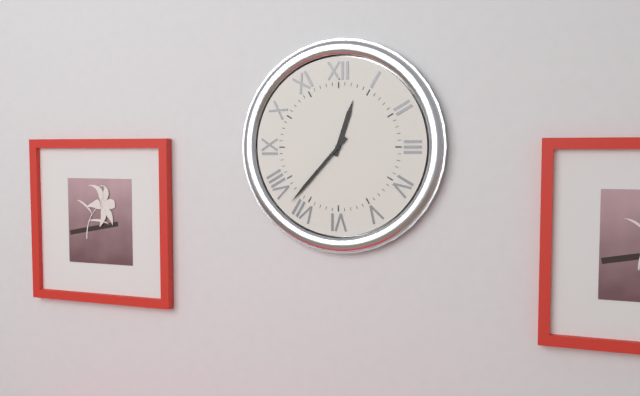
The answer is 12h37
